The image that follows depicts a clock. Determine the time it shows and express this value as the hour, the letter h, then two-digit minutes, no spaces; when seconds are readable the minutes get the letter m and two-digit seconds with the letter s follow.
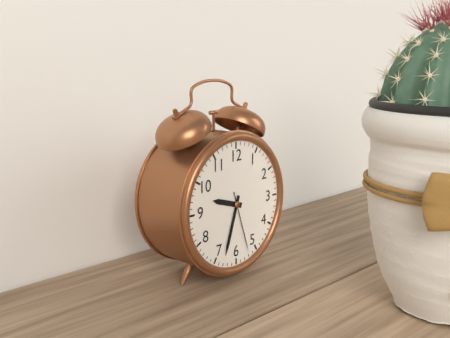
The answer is 9h33m27s
